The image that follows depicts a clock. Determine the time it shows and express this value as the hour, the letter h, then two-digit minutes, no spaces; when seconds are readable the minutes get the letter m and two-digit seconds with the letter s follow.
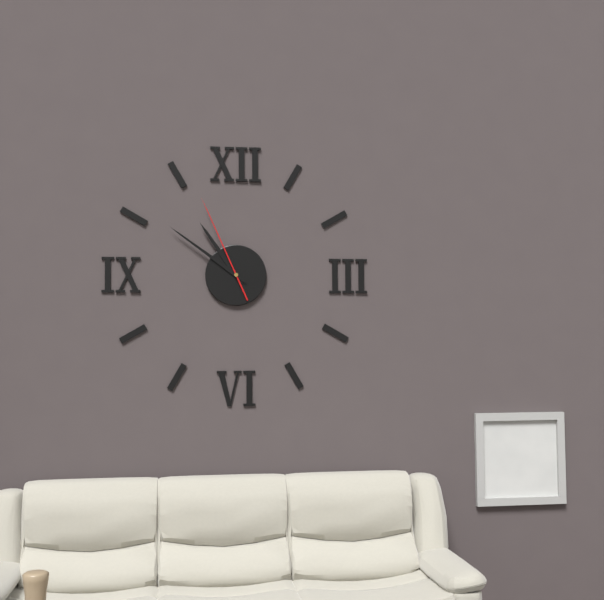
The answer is 10h51m56s
